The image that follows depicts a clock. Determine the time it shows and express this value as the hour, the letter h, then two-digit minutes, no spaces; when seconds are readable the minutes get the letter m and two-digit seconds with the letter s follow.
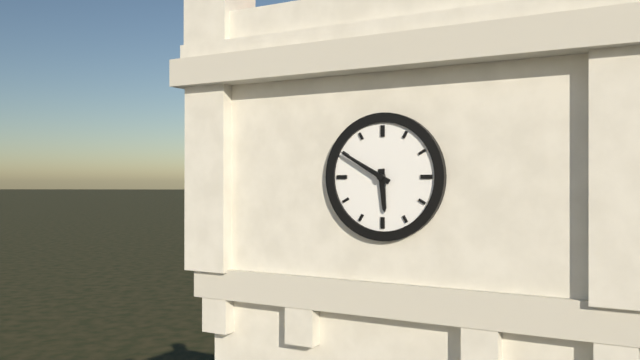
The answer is 5h50
